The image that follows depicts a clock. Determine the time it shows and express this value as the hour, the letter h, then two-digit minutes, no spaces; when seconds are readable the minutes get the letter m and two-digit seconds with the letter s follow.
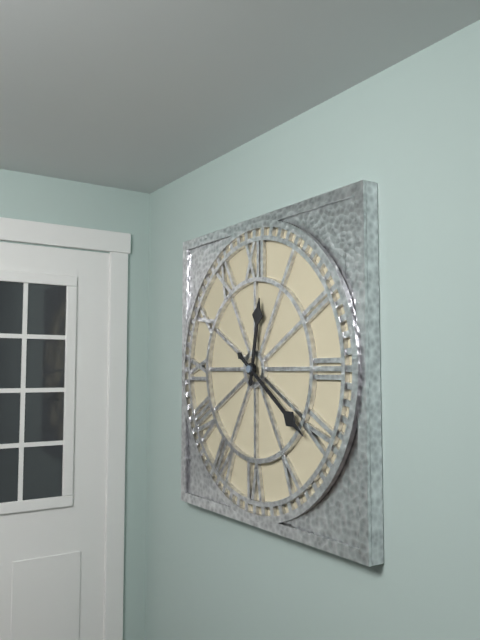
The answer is 12h21
